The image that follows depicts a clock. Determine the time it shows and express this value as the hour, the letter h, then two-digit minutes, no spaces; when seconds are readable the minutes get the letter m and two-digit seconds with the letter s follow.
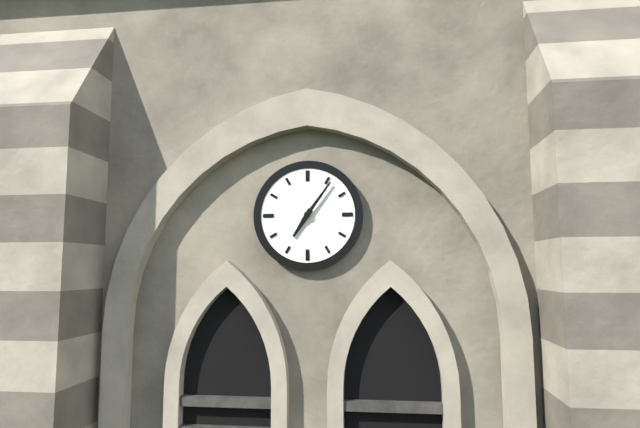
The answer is 7h06
